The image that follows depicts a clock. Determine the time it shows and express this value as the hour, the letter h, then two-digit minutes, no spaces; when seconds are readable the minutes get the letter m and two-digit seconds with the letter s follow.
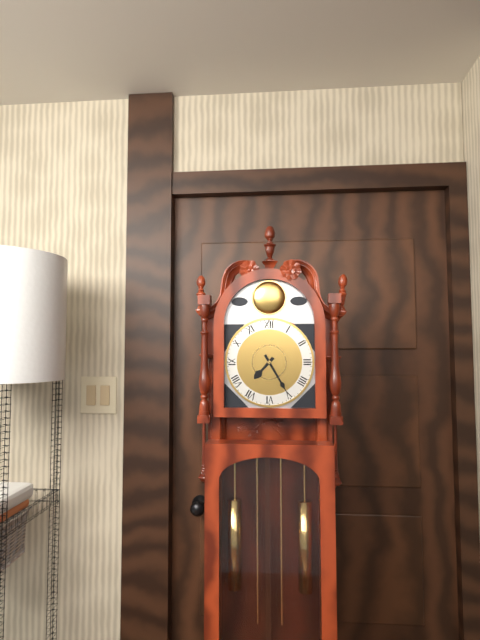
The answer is 7h25
